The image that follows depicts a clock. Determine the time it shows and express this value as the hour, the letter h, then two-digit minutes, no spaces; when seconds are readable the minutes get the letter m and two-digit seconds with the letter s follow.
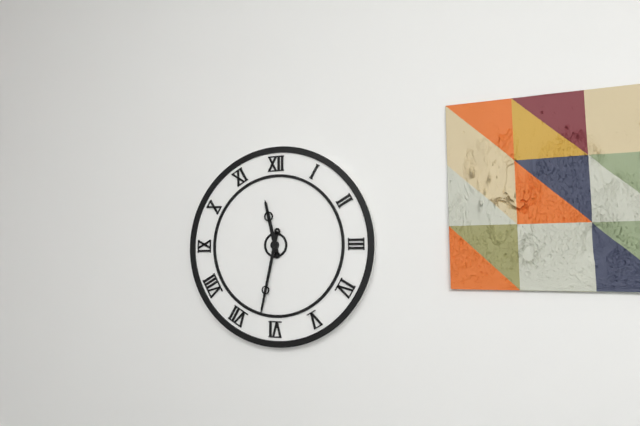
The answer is 11h32
